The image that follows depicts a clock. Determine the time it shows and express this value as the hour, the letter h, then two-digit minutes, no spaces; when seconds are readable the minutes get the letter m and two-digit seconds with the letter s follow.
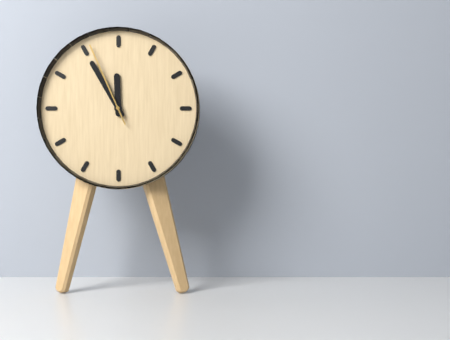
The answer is 11h55m56s
